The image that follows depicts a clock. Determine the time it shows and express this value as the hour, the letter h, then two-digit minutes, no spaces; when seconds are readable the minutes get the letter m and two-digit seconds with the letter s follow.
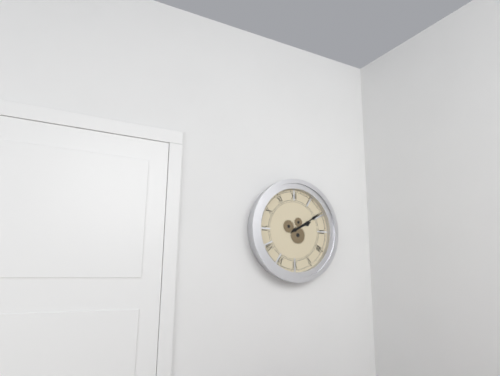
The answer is 2h10
